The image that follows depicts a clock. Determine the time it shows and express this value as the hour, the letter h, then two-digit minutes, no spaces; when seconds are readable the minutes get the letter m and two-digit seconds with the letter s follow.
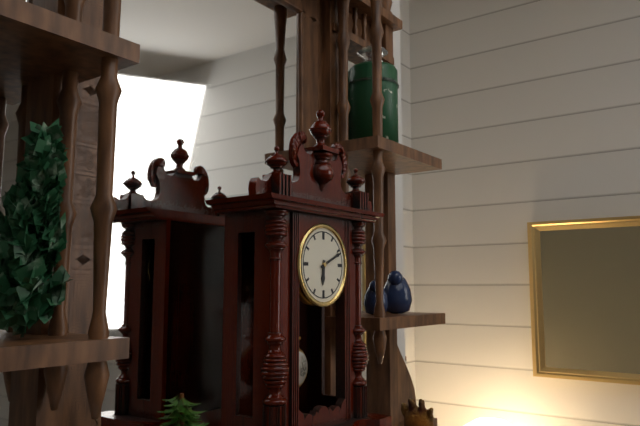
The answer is 6h11
